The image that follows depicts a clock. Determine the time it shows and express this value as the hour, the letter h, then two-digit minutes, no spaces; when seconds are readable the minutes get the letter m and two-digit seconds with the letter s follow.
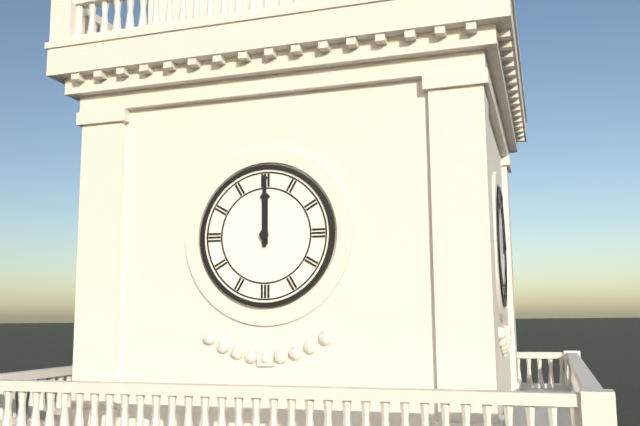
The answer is 12h00
